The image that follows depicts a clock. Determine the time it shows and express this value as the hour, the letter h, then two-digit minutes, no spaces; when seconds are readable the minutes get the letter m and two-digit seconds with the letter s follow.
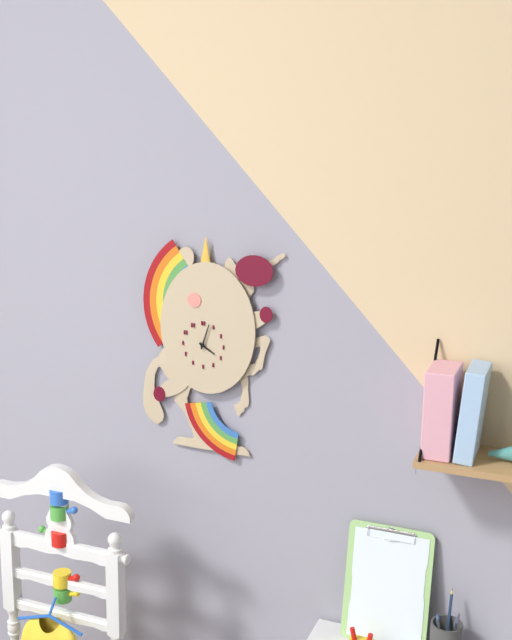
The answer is 4h03
